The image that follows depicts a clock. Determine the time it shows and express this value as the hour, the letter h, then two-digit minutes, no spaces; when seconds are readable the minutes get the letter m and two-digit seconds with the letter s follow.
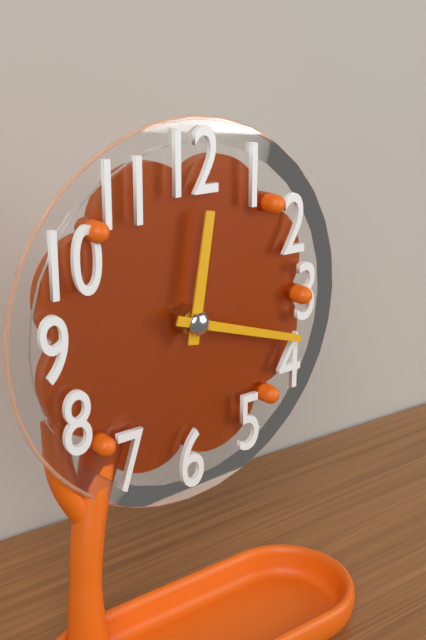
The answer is 12h18
